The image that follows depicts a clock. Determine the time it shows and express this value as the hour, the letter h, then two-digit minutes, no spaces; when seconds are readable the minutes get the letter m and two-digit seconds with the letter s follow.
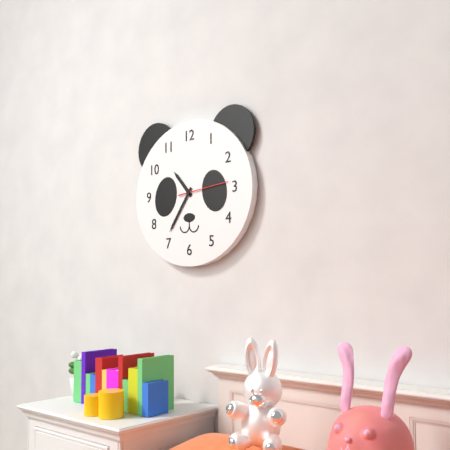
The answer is 10h36m14s
